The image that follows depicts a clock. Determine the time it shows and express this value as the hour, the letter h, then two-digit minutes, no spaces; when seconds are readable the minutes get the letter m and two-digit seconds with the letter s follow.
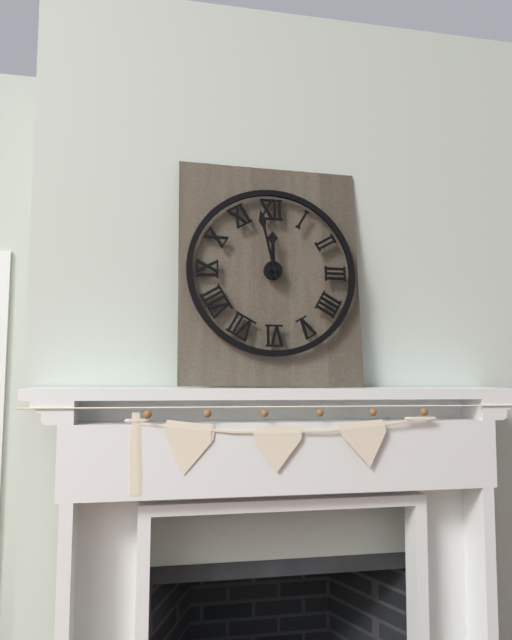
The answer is 11h58
